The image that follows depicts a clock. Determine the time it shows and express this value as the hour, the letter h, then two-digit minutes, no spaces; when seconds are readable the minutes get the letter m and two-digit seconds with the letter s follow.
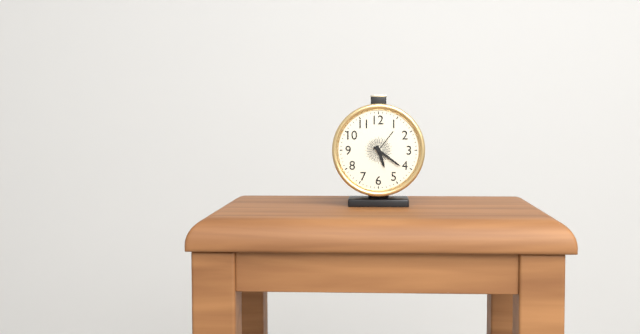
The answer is 5h21
